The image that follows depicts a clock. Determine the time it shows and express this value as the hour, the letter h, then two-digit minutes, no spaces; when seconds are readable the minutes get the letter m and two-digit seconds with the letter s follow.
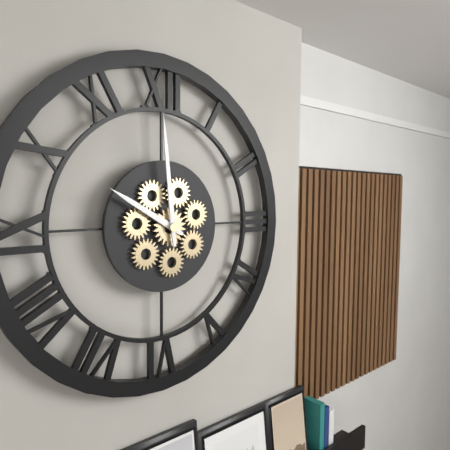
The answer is 9h59
